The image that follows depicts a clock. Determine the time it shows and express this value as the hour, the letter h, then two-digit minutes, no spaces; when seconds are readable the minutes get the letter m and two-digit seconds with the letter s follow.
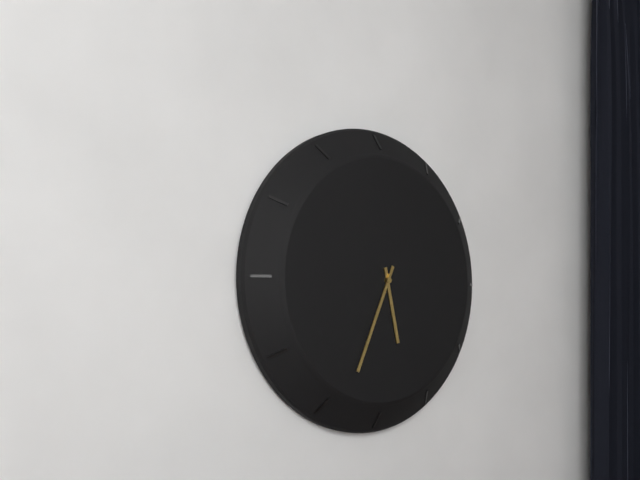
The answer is 5h34
